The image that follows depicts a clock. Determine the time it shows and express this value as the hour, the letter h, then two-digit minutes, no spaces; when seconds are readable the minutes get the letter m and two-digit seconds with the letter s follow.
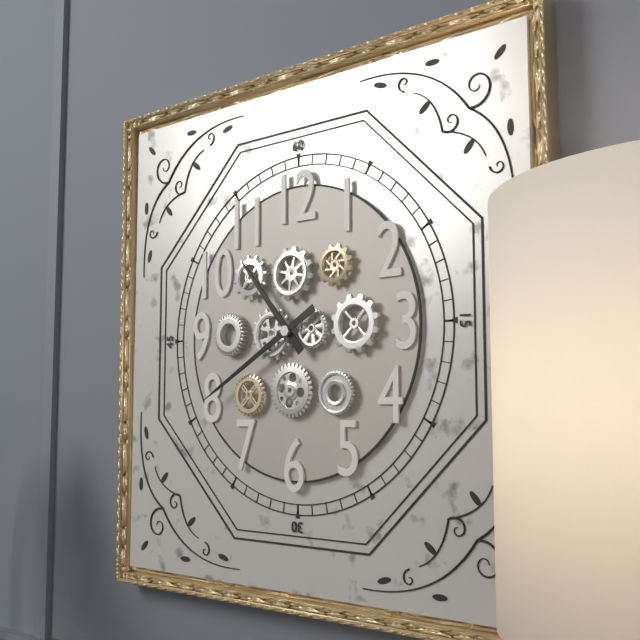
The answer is 10h40
